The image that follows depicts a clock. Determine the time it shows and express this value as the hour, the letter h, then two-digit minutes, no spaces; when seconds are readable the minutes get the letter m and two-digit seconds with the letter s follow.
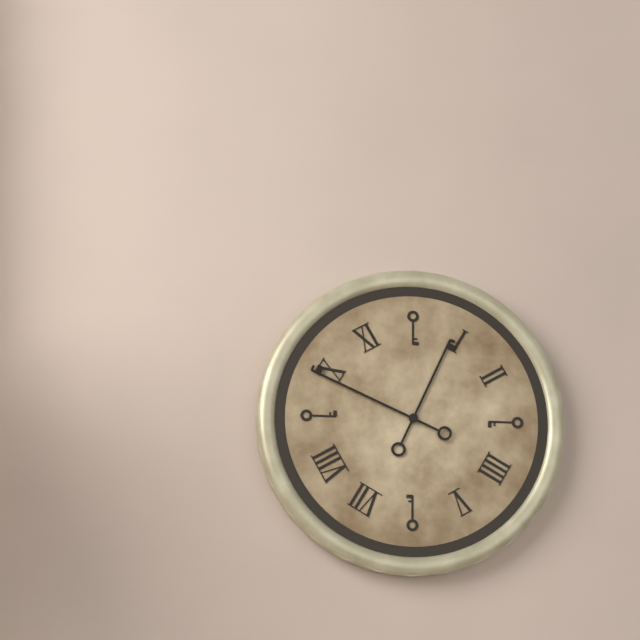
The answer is 12h49
